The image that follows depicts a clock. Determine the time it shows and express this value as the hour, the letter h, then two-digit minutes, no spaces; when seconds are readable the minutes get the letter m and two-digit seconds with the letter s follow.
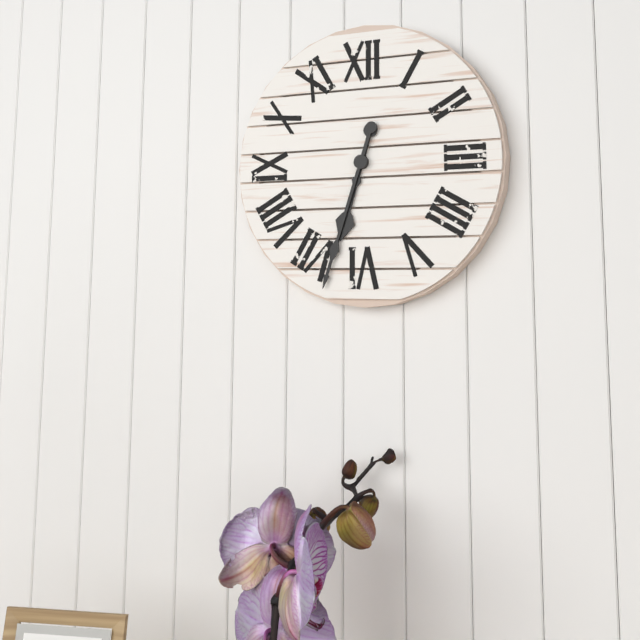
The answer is 6h33
